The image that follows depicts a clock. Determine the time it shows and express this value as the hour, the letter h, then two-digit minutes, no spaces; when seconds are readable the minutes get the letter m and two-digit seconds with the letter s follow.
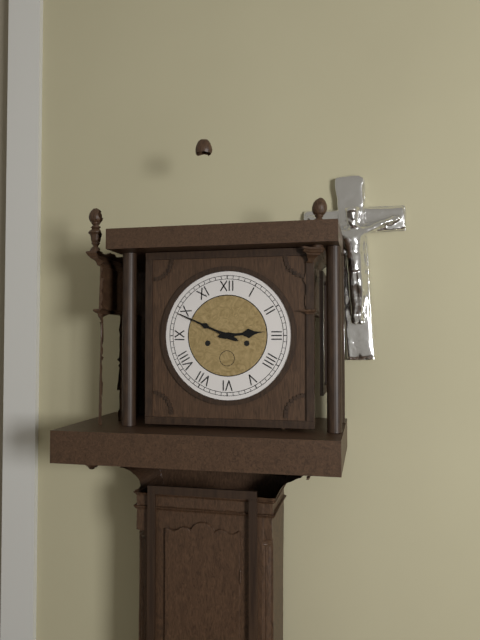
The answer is 2h49
